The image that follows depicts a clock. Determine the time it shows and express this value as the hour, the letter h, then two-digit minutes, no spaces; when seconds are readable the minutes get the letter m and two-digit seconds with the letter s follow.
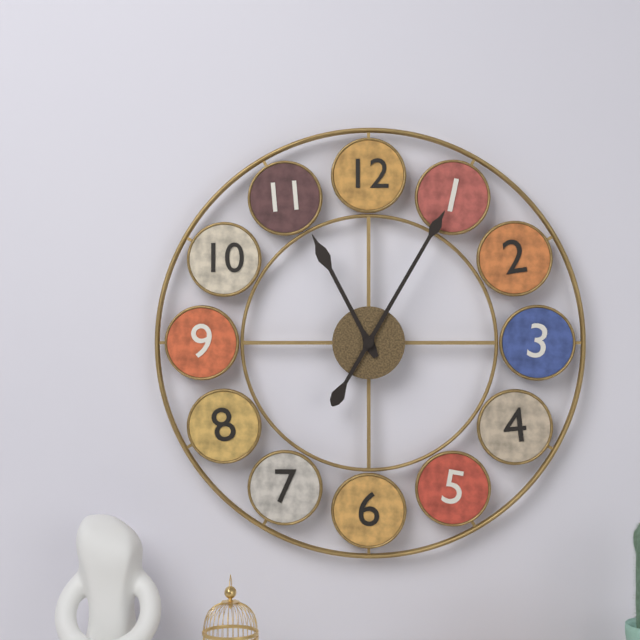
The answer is 11h05
